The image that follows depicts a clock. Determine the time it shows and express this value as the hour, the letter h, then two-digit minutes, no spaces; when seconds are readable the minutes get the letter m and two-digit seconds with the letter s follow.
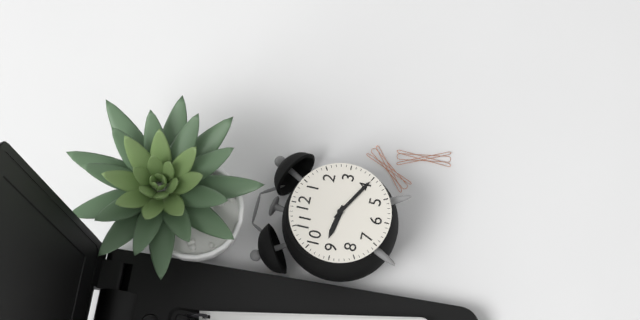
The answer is 9h20
